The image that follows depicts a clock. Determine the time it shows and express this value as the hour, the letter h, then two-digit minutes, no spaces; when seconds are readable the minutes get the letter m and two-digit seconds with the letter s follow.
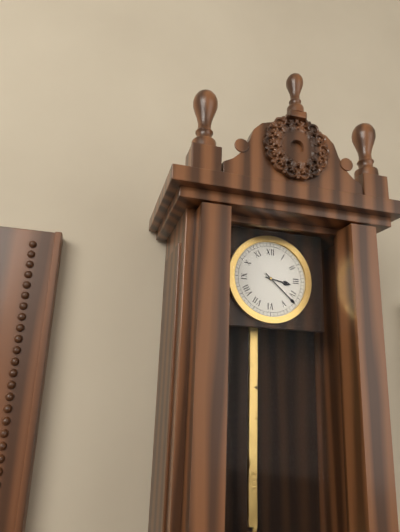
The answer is 3h22
